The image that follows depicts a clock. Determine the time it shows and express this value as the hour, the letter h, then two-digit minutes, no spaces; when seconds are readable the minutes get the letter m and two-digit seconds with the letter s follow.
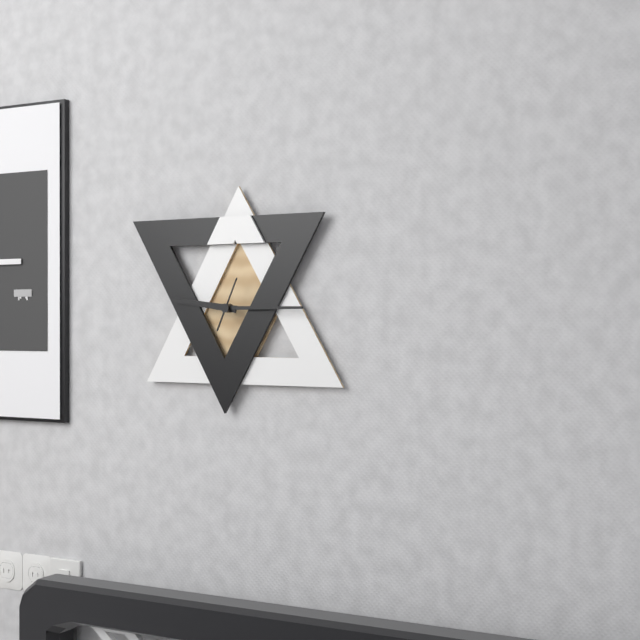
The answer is 9h15
